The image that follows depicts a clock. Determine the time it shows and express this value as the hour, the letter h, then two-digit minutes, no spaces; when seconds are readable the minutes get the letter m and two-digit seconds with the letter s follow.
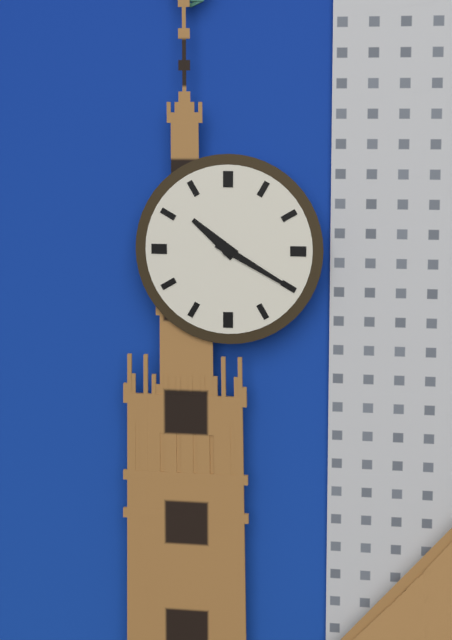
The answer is 10h20
